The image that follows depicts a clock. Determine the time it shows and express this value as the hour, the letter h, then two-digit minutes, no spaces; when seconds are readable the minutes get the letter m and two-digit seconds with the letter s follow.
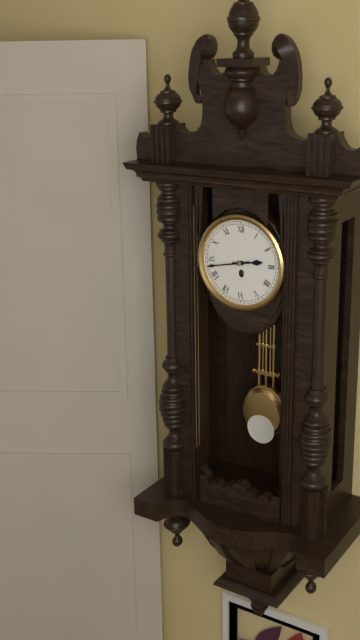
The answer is 2h43
